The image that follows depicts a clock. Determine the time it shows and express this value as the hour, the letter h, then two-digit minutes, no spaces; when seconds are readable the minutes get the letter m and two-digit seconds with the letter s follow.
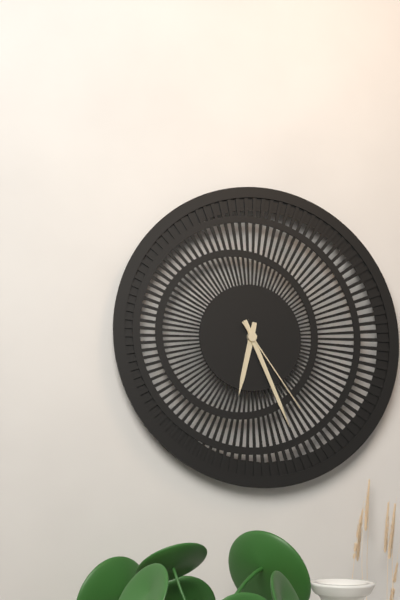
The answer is 6h26m24s
